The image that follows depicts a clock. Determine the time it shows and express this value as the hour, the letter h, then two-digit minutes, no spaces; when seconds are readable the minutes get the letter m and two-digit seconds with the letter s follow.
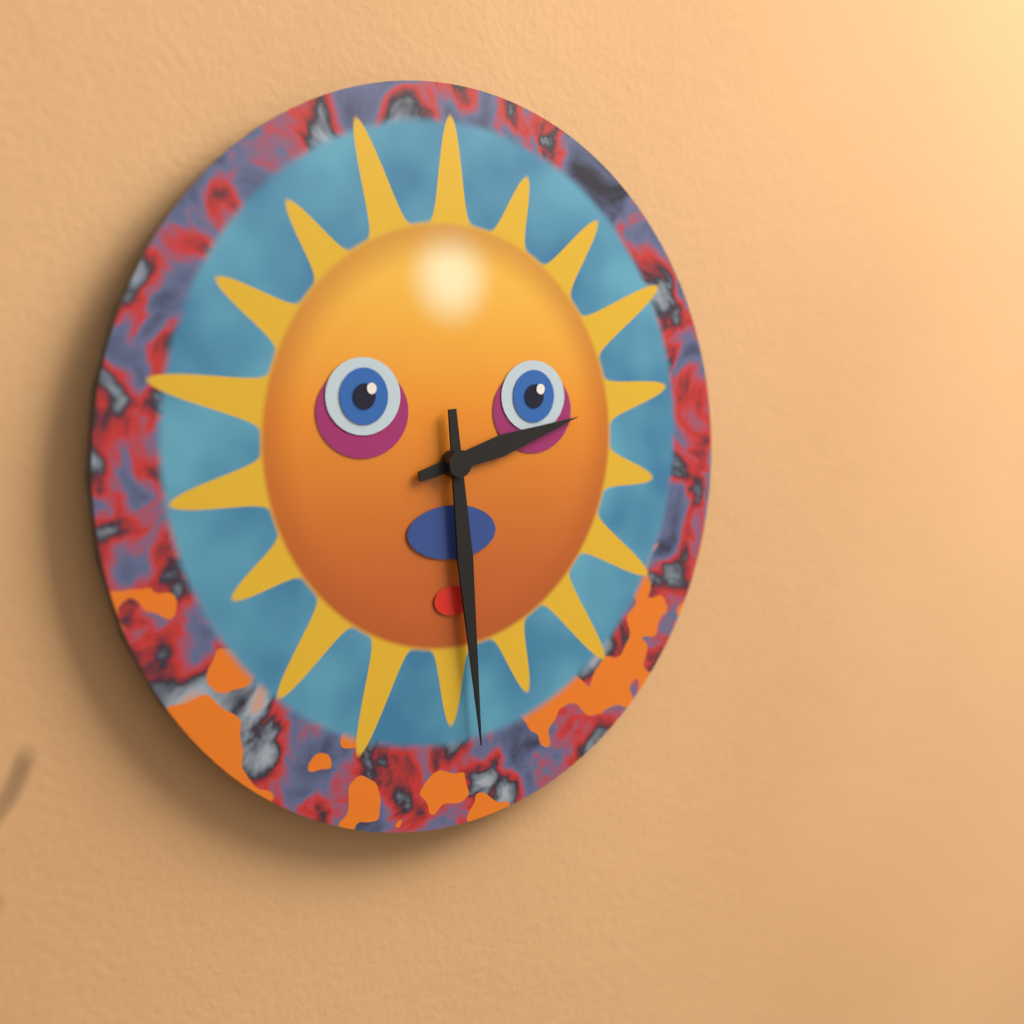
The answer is 2h29
